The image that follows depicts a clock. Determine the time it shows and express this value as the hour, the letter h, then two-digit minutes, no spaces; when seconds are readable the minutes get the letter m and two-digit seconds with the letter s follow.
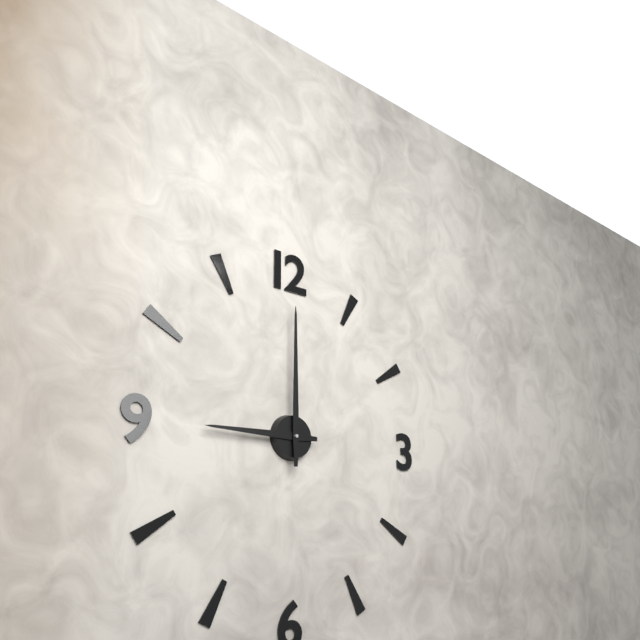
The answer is 9h00
